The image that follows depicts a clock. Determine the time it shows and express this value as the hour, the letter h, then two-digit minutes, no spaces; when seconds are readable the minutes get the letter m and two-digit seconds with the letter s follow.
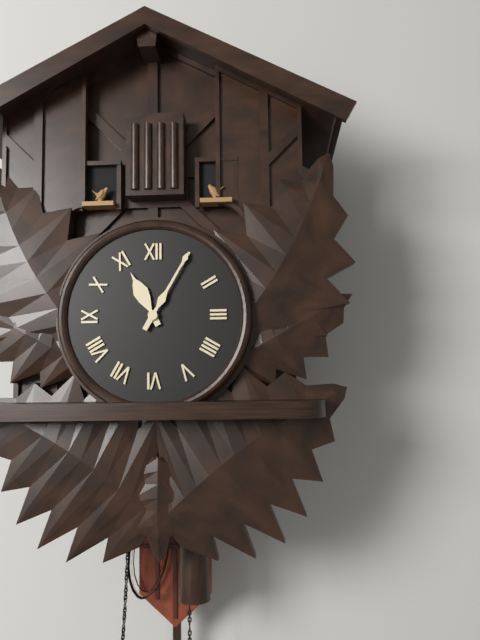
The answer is 11h05
